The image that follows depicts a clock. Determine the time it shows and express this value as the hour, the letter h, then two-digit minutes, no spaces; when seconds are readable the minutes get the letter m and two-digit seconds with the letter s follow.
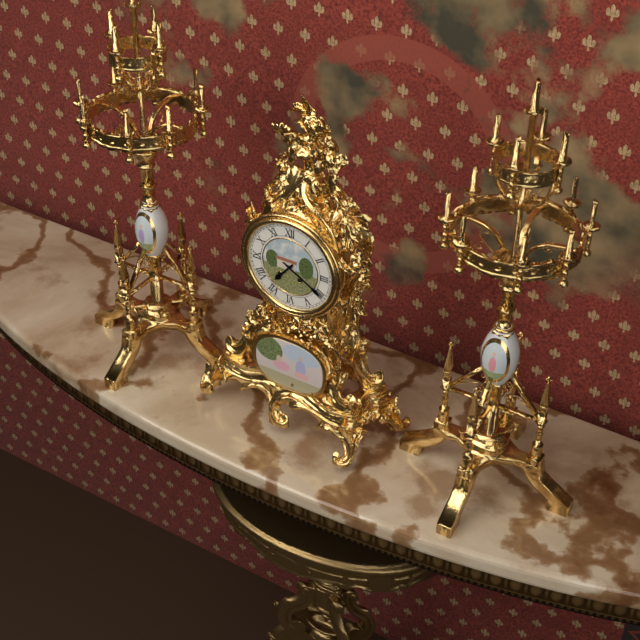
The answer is 7h20
